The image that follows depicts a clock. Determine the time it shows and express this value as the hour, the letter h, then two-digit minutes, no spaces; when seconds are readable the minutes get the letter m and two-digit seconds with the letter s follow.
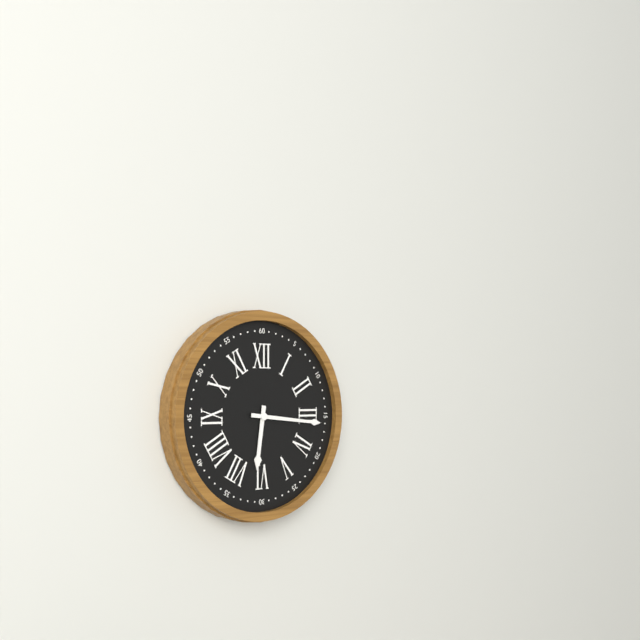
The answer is 6h16
